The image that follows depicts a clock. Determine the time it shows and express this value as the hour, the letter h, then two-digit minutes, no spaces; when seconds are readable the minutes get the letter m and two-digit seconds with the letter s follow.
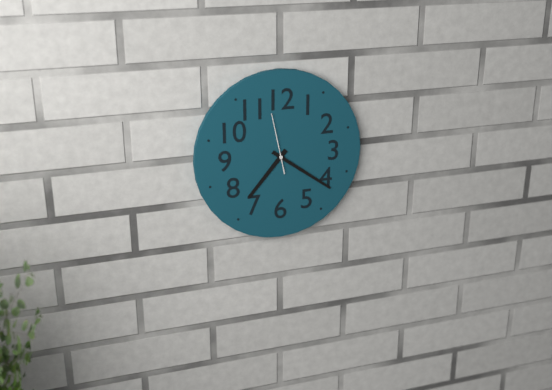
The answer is 7h21m58s
